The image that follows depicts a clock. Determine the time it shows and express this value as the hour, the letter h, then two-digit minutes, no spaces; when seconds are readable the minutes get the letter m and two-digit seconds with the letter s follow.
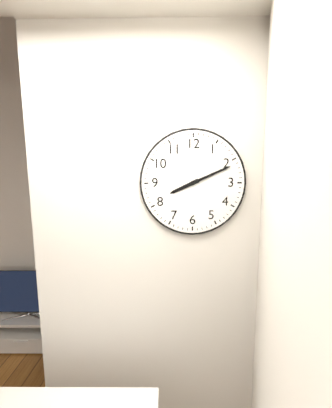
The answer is 8h11
